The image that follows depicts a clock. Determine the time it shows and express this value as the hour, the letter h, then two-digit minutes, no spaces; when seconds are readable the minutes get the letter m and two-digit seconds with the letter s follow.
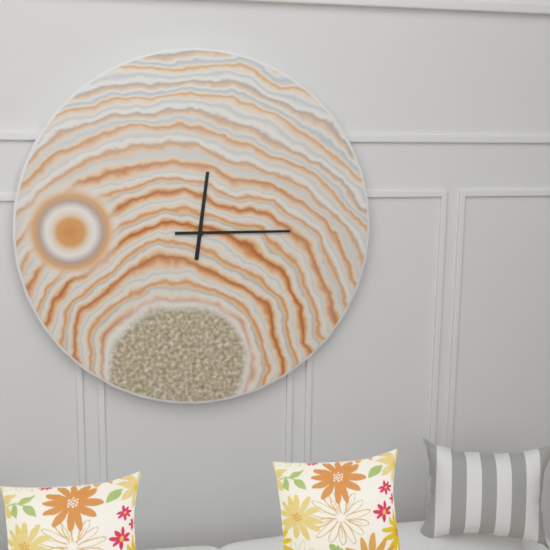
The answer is 12h15
